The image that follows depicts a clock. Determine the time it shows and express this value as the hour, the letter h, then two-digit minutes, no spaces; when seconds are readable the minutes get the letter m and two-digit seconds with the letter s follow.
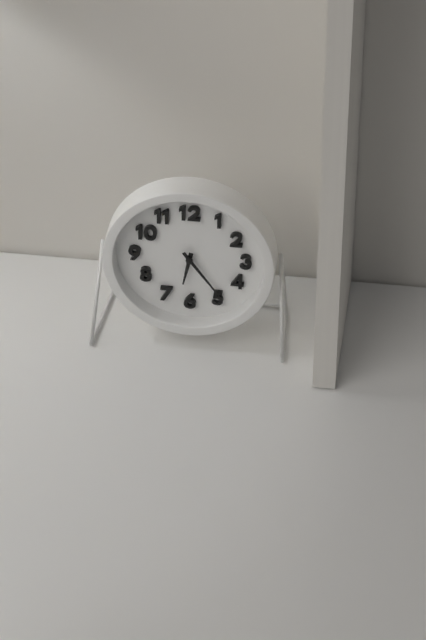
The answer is 6h24
